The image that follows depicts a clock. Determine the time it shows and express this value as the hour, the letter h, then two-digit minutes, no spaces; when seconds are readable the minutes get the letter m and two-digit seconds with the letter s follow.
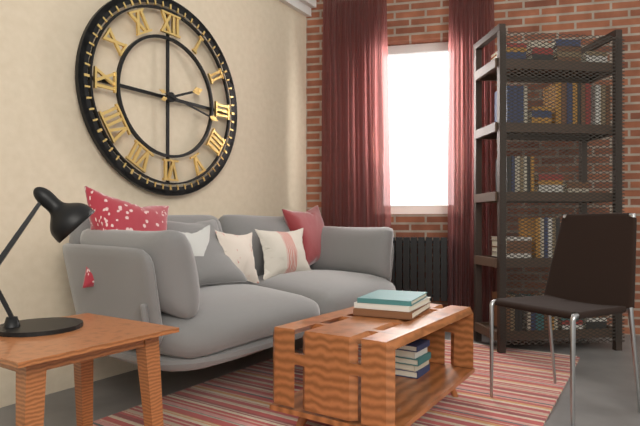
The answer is 2h17
